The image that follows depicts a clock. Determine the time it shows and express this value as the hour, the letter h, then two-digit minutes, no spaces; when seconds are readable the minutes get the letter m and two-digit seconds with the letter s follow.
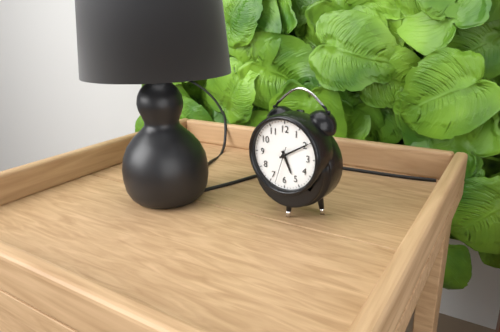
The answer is 5h10
